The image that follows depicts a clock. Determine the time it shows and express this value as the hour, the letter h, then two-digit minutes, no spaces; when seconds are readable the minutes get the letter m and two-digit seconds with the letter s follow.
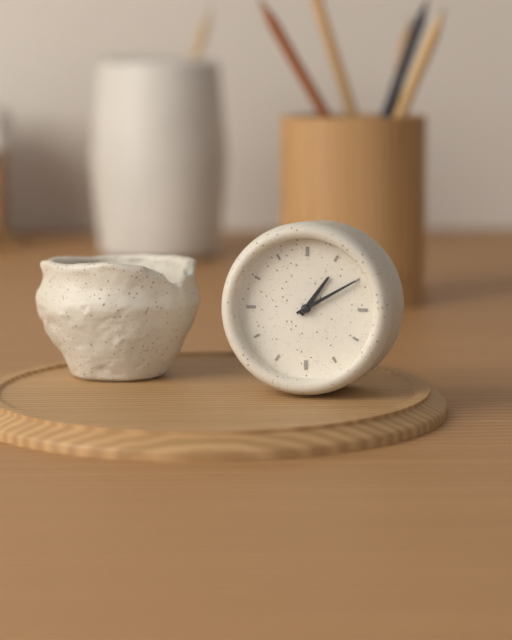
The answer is 1h10
